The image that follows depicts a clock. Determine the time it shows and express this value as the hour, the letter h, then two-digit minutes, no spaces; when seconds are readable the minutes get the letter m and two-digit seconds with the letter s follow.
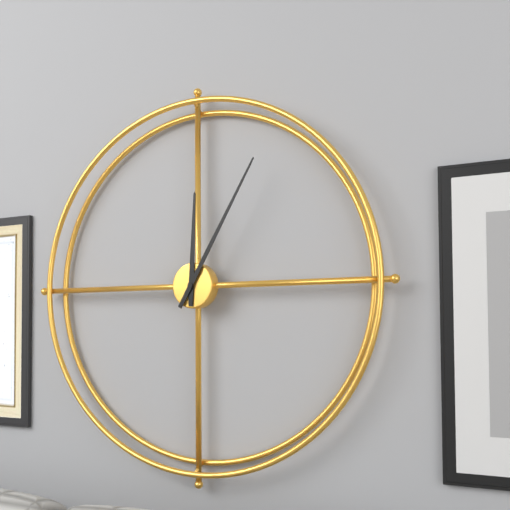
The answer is 12h05
